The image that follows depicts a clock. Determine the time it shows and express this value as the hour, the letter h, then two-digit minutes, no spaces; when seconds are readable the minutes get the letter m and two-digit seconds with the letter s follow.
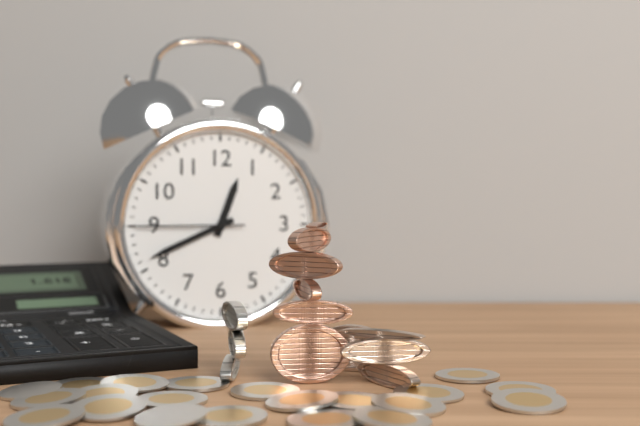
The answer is 12h41m45s
